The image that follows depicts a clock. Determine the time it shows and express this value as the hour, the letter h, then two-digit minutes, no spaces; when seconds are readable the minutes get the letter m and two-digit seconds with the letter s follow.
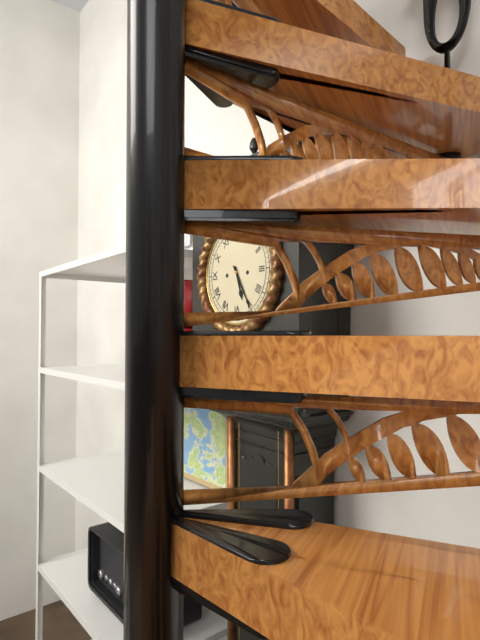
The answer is 5h25
